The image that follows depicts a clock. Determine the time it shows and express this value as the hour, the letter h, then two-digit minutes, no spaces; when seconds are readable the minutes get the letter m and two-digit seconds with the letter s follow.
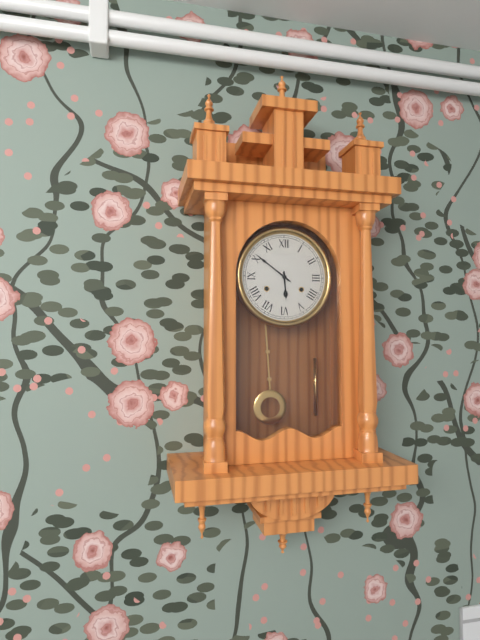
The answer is 5h51
